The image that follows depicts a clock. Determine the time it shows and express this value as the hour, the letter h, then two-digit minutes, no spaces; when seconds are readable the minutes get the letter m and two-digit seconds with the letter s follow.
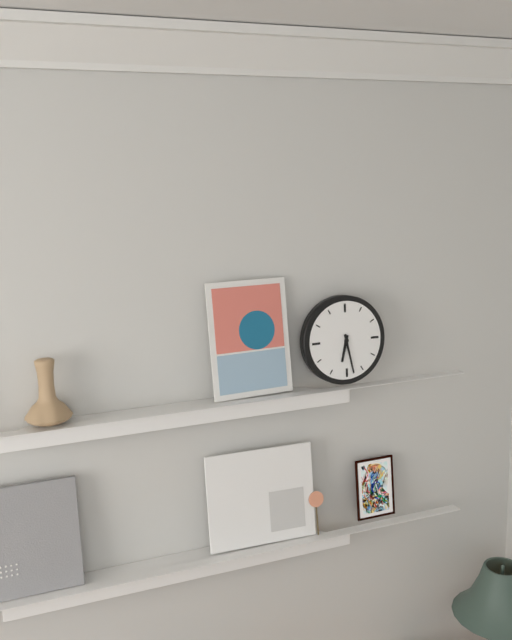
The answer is 6h28
